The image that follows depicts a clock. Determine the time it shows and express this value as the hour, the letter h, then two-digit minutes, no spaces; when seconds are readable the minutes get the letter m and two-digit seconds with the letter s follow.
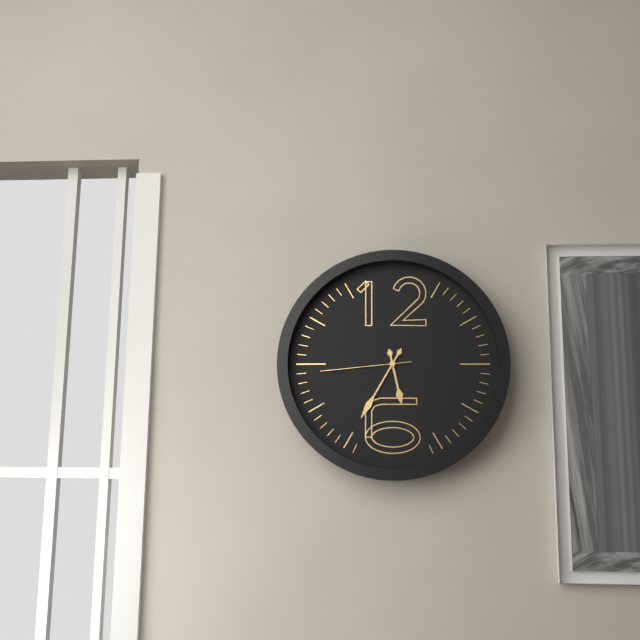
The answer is 5h35m44s
